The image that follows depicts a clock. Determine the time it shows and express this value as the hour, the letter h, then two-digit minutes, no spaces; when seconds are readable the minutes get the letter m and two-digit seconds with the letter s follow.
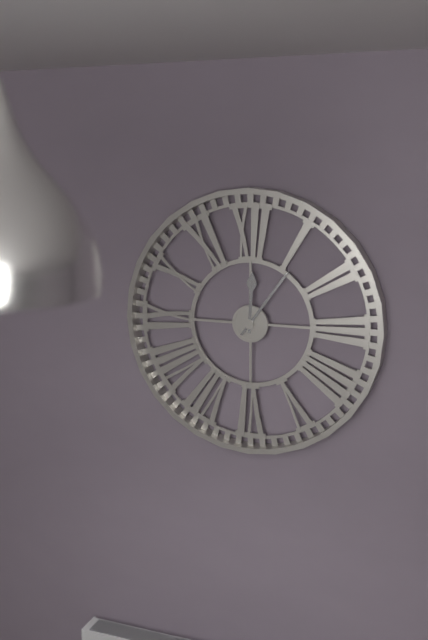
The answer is 12h06
